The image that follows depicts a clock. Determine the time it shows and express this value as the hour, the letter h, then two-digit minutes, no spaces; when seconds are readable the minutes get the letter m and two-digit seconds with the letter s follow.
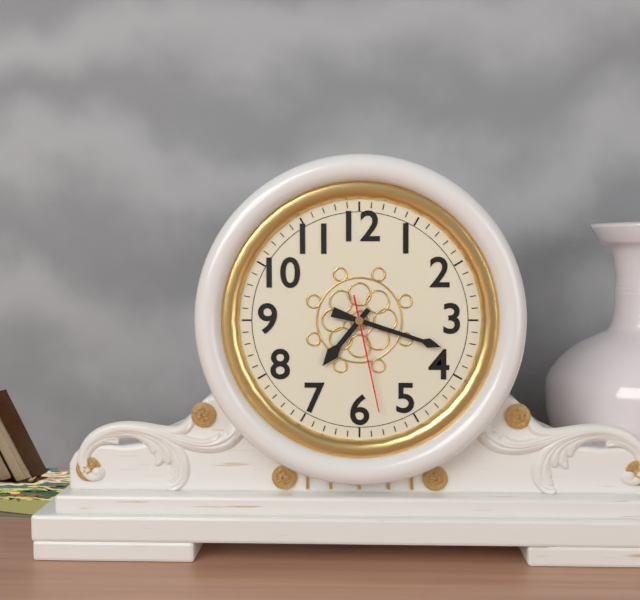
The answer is 7h18m28s
